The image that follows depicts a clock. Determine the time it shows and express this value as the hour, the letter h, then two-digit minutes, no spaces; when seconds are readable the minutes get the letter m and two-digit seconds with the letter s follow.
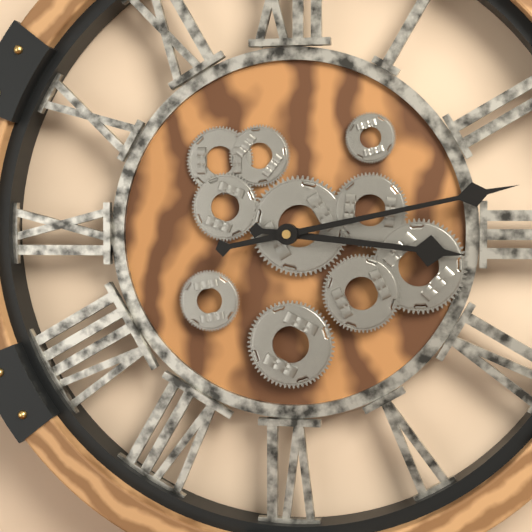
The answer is 3h13
